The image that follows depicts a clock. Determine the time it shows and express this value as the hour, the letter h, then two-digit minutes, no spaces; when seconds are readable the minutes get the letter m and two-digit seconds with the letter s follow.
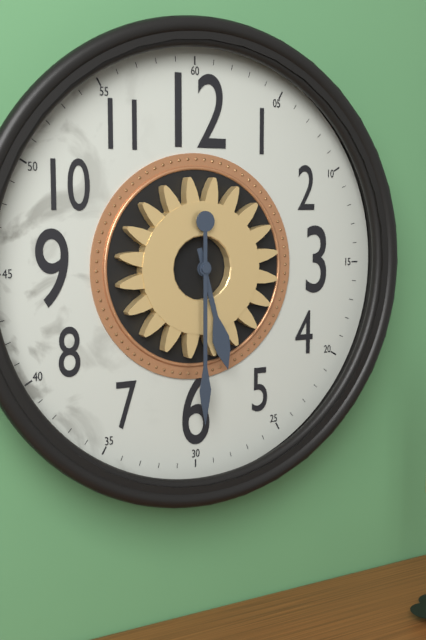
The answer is 5h30
